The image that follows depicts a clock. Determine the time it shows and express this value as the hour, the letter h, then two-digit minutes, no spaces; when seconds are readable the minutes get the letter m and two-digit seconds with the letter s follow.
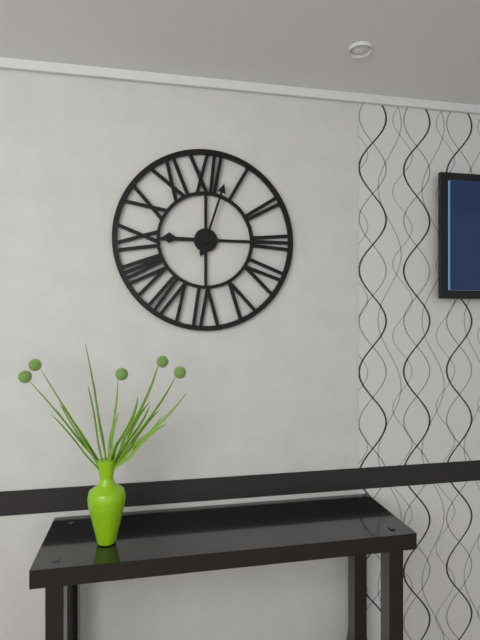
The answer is 9h03
